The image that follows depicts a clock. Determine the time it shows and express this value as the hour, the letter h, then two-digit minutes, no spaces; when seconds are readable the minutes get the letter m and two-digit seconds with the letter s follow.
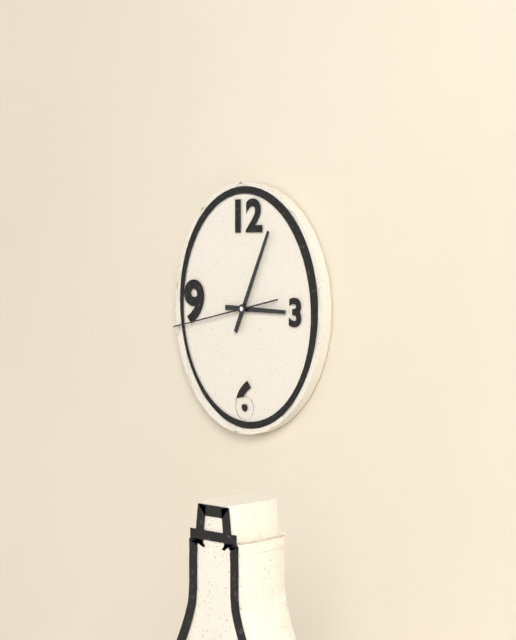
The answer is 3h04m43s
